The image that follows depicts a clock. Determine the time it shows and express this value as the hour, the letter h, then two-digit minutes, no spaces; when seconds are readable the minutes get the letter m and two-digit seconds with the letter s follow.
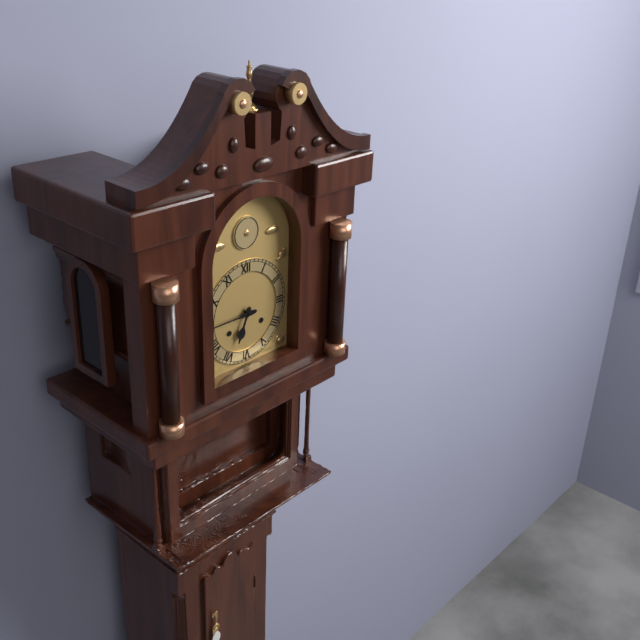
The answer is 6h45
